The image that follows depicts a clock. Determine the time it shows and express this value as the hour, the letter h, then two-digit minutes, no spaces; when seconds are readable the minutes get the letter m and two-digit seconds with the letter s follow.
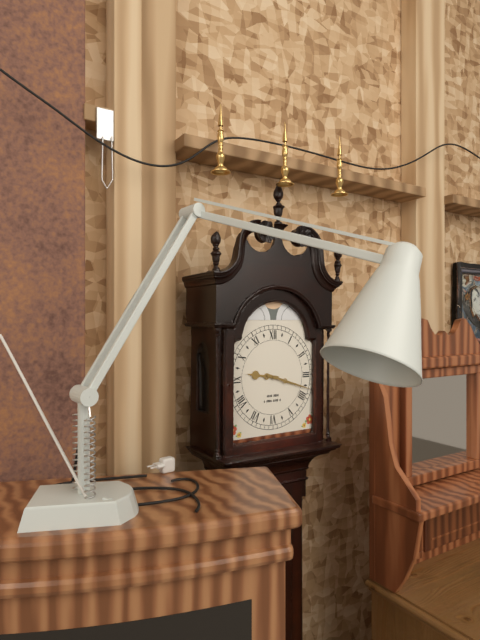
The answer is 9h18
